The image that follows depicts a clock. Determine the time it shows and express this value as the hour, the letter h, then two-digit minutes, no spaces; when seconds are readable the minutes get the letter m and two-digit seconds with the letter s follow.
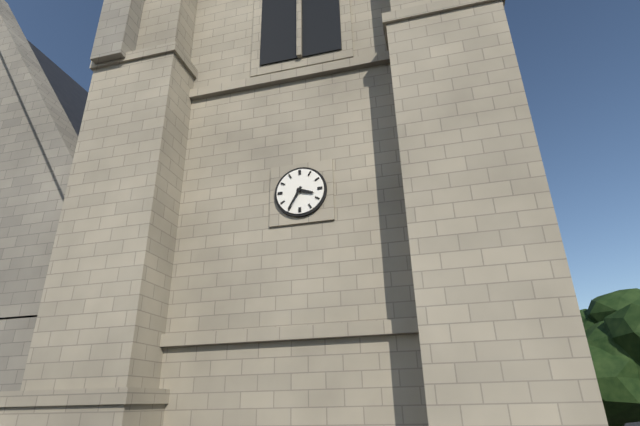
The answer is 3h35
